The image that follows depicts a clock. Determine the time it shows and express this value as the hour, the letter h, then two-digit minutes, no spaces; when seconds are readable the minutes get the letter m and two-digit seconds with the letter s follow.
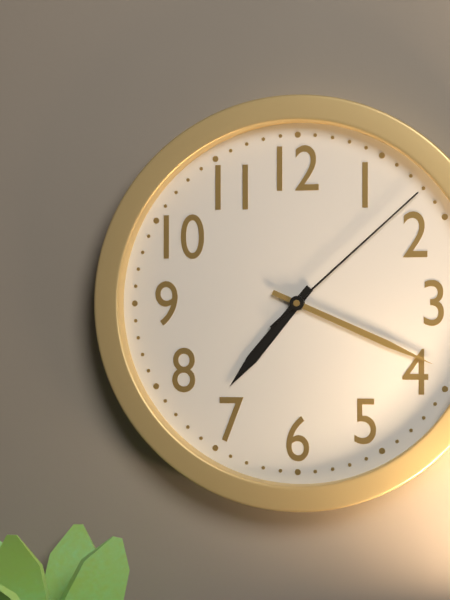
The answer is 7h19m08s
